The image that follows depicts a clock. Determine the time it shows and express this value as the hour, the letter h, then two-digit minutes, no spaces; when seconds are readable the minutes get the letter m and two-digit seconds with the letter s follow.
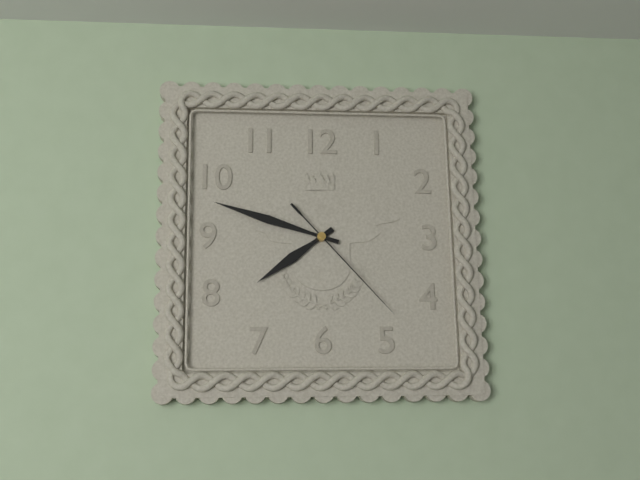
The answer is 7h48m23s
